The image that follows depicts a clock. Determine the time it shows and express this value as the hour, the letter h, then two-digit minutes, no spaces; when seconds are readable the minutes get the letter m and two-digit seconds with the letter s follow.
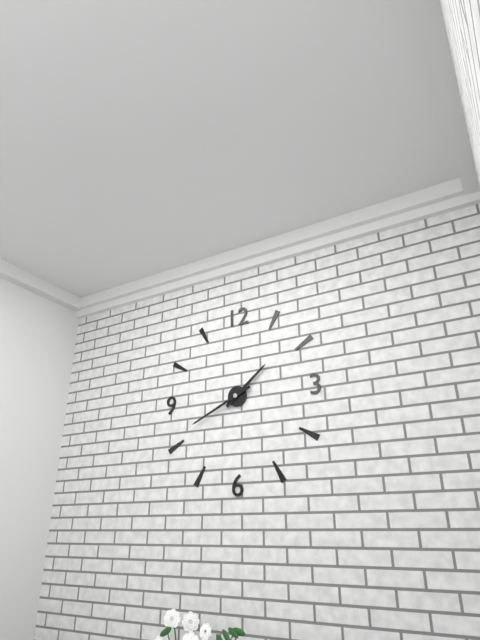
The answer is 1h41
